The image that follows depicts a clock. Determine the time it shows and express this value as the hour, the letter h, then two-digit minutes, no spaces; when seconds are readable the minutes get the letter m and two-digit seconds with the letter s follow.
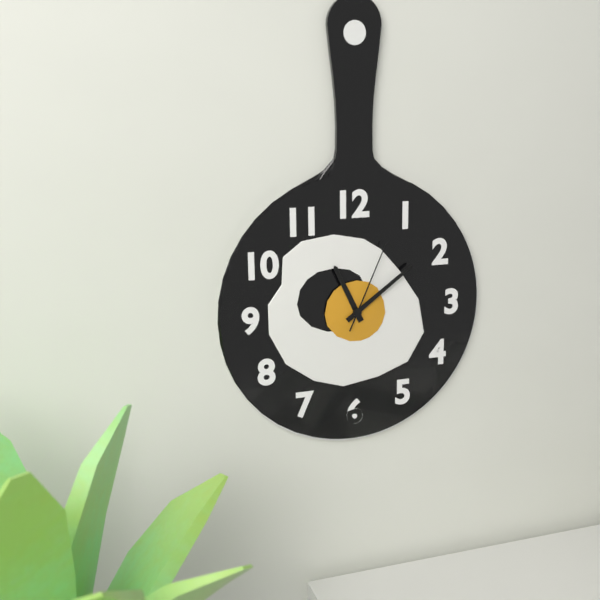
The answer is 11h09m04s
